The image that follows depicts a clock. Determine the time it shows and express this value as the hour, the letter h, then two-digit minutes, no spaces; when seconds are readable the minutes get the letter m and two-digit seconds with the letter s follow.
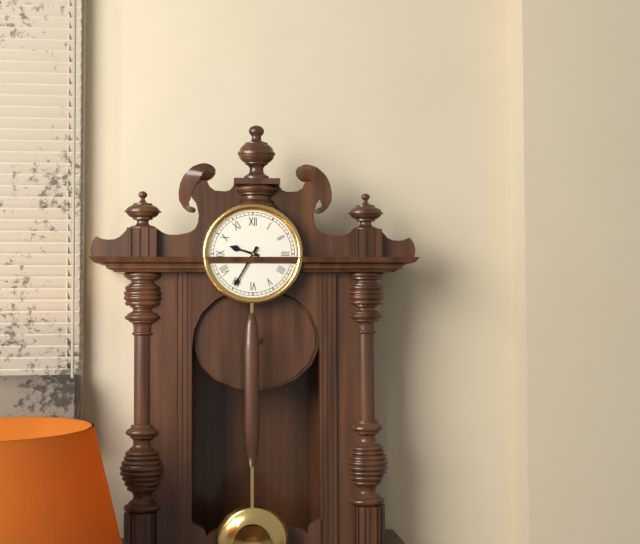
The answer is 9h35
